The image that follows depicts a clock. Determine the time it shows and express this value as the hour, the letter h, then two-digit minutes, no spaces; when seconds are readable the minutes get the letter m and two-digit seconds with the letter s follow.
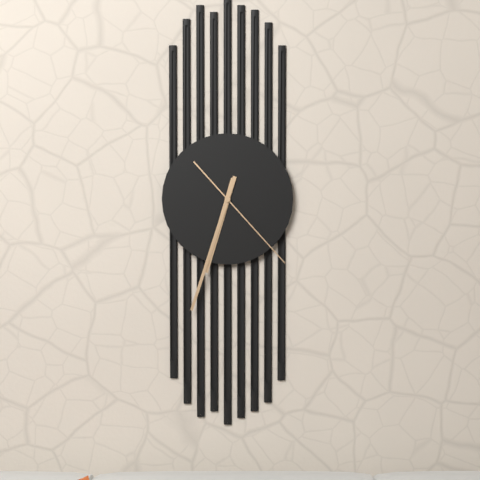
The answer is 6h33m23s
